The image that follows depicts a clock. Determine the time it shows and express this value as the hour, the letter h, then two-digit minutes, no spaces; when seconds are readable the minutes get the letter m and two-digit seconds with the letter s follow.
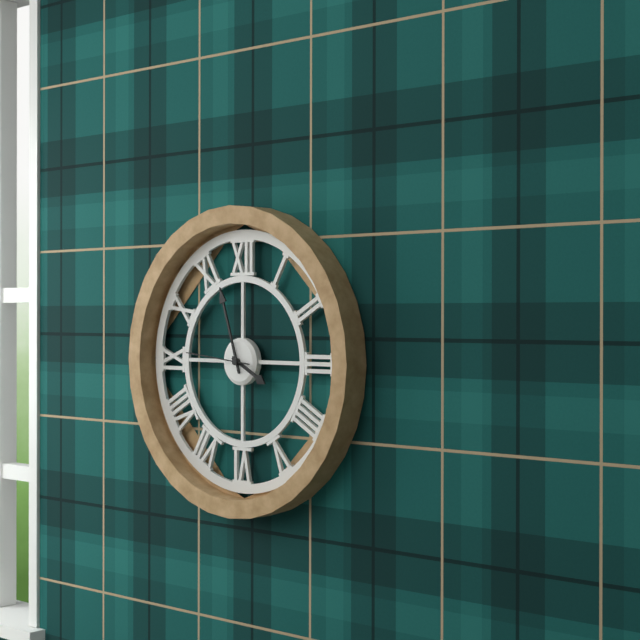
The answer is 3h57m46s
